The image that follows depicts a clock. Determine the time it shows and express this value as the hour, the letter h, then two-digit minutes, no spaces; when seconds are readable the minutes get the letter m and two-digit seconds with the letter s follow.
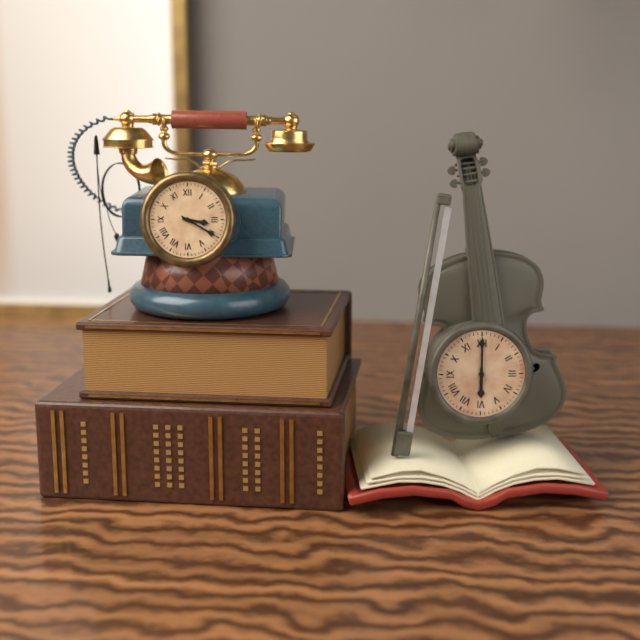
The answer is 3h20
